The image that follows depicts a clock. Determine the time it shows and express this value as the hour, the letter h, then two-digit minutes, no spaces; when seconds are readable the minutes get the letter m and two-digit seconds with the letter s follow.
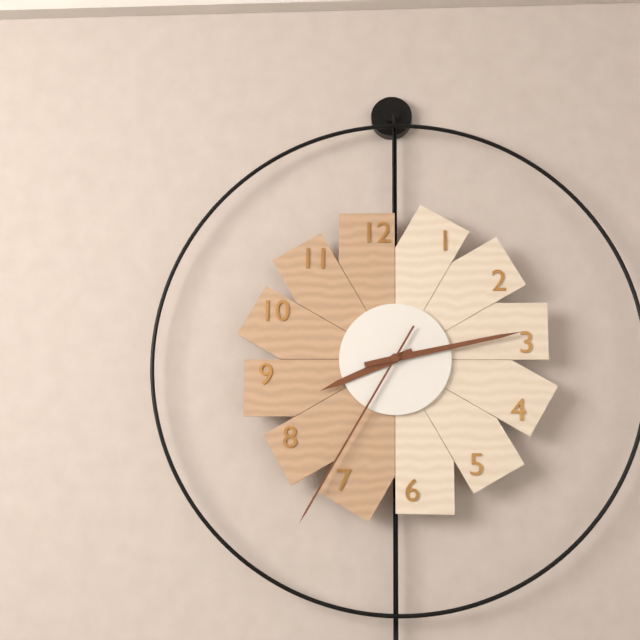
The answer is 8h13m35s
